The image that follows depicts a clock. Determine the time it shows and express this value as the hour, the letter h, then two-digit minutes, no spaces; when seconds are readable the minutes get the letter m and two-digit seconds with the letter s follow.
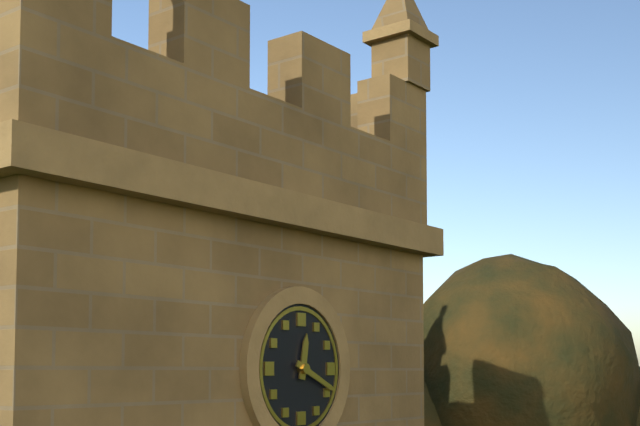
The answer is 12h19
